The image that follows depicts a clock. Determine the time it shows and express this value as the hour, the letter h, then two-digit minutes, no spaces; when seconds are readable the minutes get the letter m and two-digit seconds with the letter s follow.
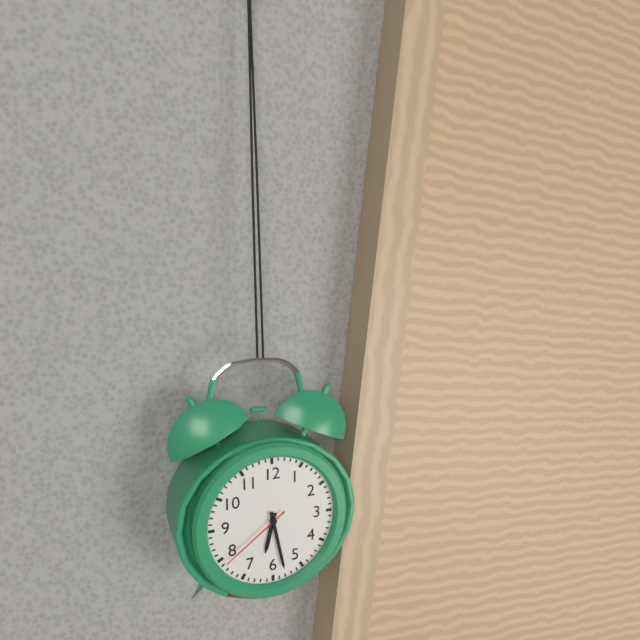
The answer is 6h28m39s
